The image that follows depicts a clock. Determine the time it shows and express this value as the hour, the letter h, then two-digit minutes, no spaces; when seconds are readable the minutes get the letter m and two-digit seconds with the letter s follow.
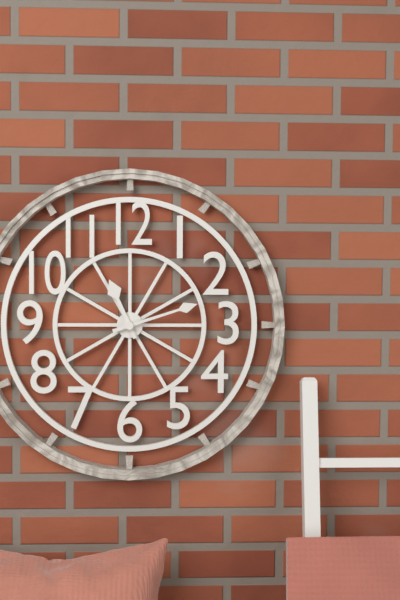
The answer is 11h12
